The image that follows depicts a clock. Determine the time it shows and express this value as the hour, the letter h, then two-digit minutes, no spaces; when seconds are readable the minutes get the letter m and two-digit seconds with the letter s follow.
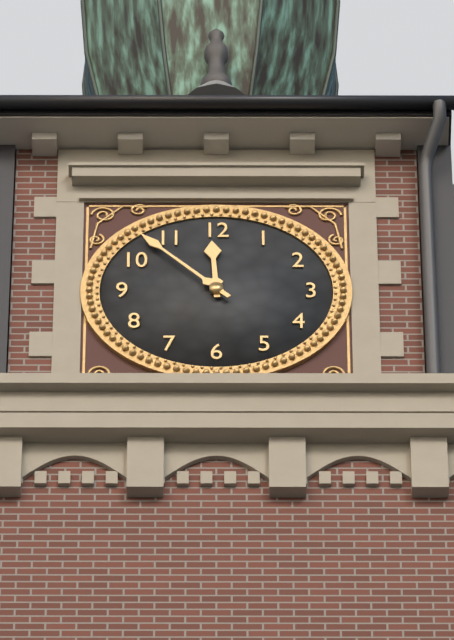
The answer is 11h53
